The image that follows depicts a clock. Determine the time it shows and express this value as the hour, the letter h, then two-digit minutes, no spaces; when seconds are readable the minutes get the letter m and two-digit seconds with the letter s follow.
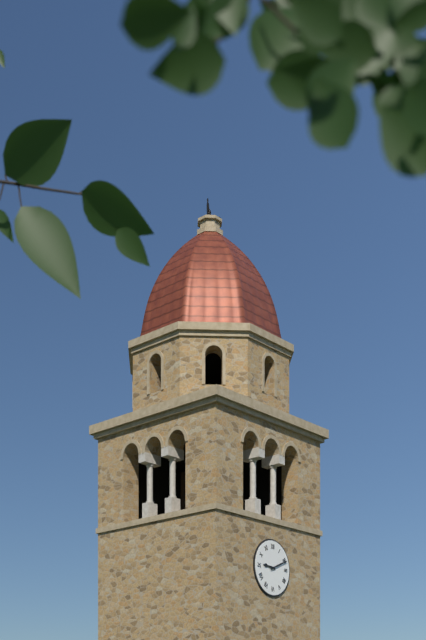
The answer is 9h11
